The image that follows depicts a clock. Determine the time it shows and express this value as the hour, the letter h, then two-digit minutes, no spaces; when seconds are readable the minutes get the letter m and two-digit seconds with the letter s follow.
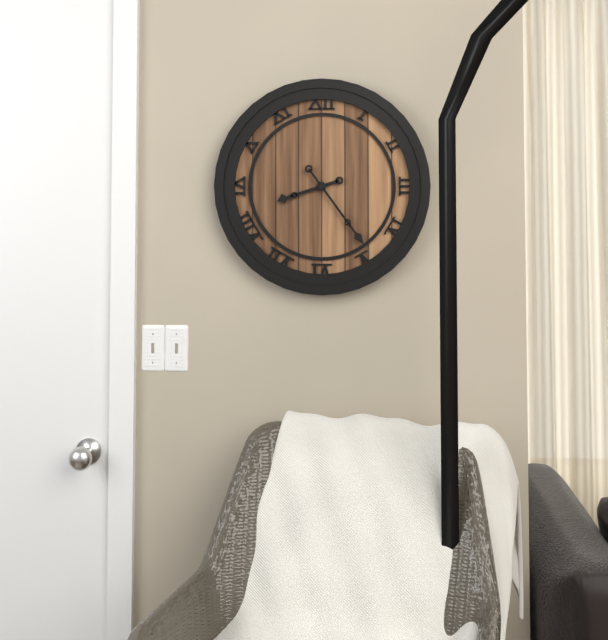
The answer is 8h24
